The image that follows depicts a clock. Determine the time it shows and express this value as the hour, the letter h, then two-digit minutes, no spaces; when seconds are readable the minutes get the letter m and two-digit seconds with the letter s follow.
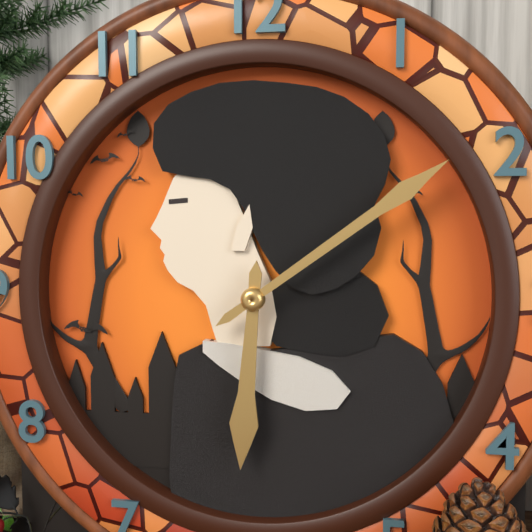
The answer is 6h09
